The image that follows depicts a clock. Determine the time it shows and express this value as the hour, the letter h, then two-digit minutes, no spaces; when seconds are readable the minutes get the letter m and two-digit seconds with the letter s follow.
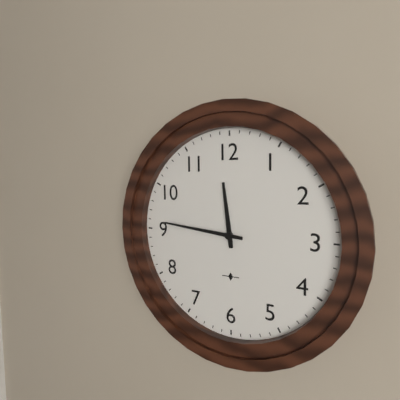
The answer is 11h46
